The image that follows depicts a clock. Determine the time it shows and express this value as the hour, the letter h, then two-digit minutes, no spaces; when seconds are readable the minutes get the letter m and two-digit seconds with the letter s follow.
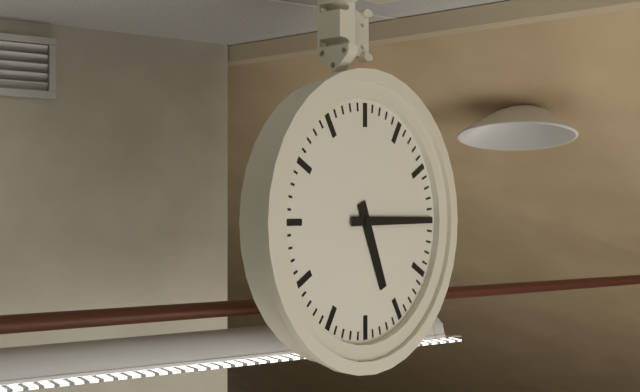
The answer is 5h15
